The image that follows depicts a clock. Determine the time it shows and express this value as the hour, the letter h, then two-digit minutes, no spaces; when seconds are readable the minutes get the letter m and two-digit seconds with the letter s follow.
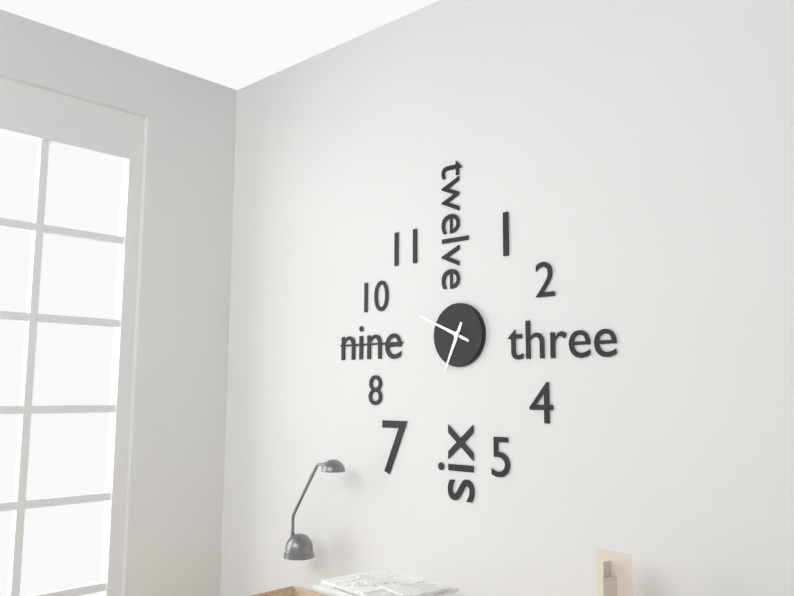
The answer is 6h49
